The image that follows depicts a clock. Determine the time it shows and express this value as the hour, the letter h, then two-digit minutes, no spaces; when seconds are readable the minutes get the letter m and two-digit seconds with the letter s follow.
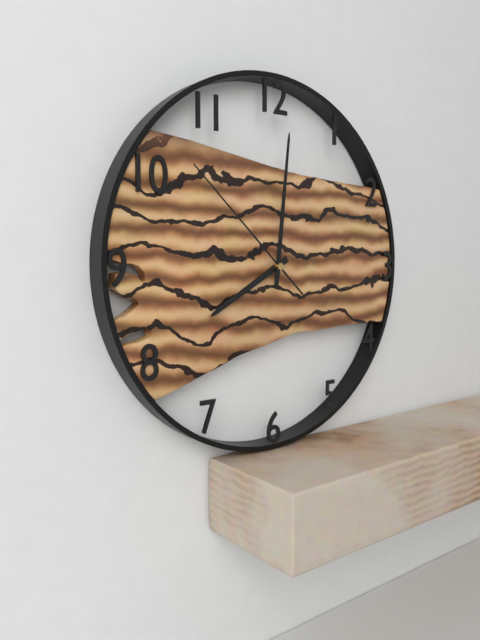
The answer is 8h01m52s
